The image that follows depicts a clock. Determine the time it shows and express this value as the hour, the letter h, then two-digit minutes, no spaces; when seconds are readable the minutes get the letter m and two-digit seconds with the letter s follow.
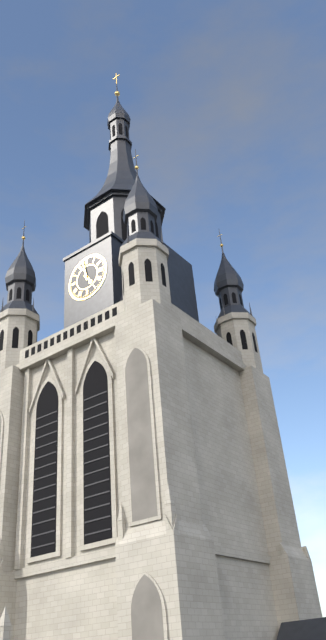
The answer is 4h58
